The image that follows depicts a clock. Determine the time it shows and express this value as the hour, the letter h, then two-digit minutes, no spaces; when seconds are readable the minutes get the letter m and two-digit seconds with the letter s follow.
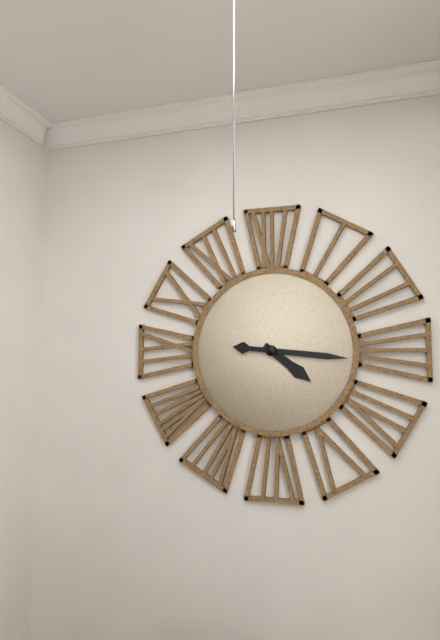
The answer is 4h16
